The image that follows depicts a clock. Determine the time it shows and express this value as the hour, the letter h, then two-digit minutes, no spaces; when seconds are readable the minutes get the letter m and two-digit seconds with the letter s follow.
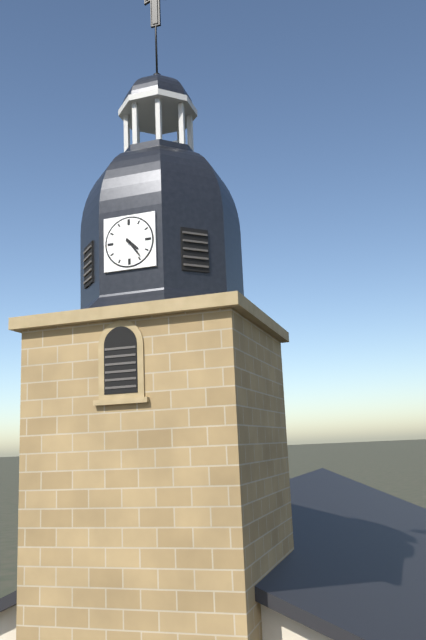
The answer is 4h24
